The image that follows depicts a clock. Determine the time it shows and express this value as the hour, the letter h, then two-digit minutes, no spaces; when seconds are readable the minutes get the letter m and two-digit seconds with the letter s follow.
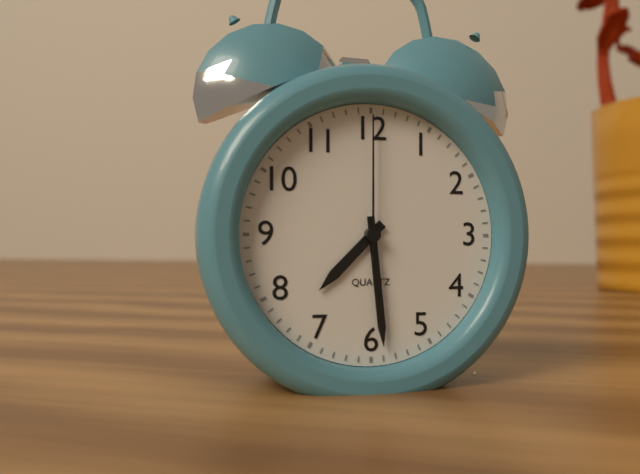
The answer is 7h29m00s
